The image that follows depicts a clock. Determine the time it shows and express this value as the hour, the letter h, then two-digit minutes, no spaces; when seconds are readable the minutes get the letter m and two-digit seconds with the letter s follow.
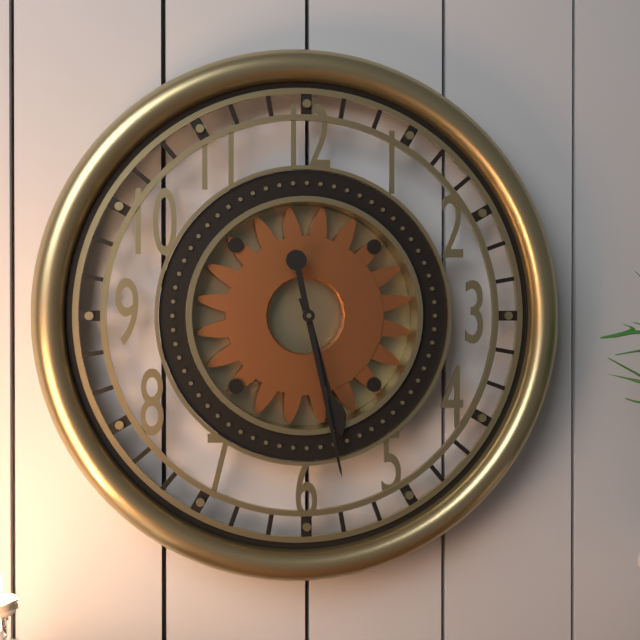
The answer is 5h28
